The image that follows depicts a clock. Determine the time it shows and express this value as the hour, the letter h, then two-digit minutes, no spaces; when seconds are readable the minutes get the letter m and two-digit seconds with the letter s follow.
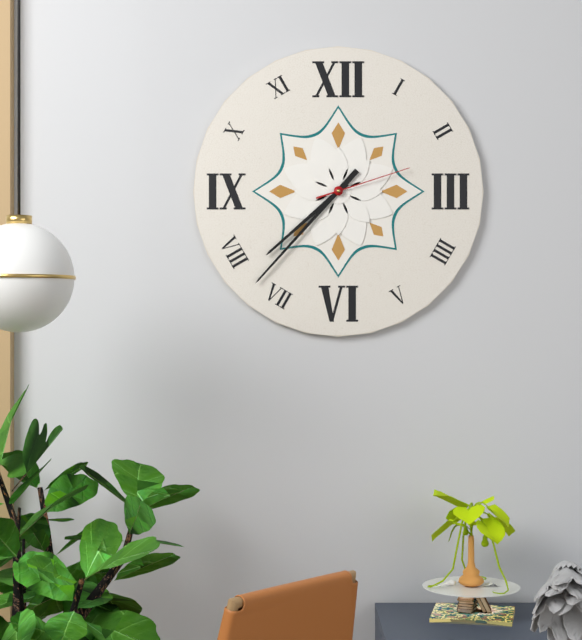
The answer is 7h37m12s
